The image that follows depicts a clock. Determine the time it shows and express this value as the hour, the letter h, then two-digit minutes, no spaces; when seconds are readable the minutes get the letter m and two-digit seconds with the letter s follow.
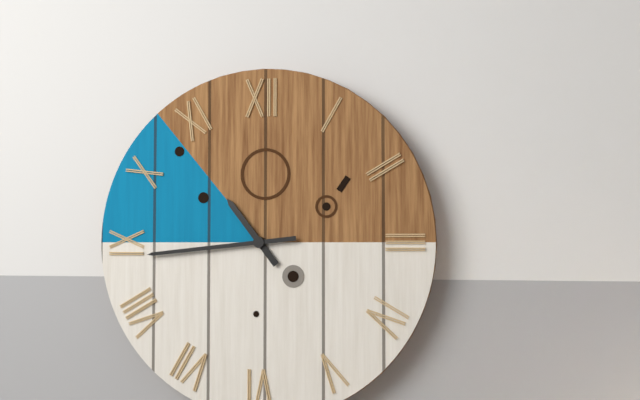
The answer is 10h44
